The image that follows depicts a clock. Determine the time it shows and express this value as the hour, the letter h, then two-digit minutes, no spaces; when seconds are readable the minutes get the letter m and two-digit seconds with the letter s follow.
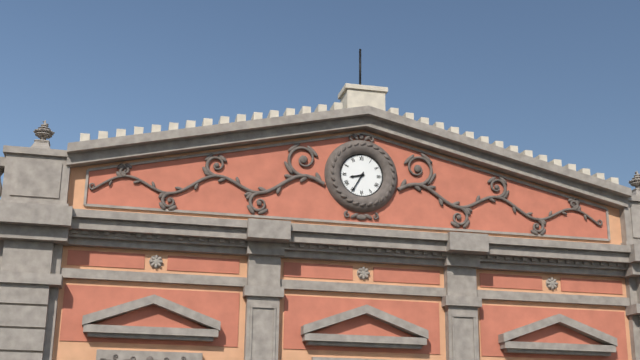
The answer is 8h35
